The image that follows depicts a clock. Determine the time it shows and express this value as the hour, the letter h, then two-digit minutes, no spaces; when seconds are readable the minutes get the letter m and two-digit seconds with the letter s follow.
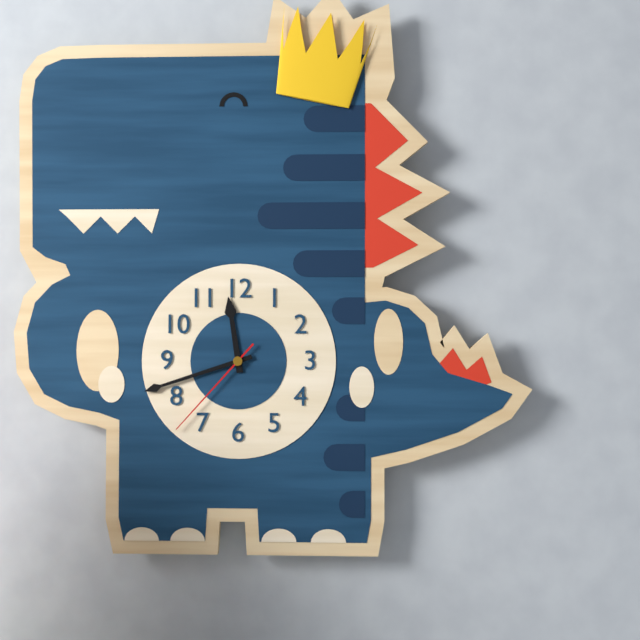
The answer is 11h42m37s
